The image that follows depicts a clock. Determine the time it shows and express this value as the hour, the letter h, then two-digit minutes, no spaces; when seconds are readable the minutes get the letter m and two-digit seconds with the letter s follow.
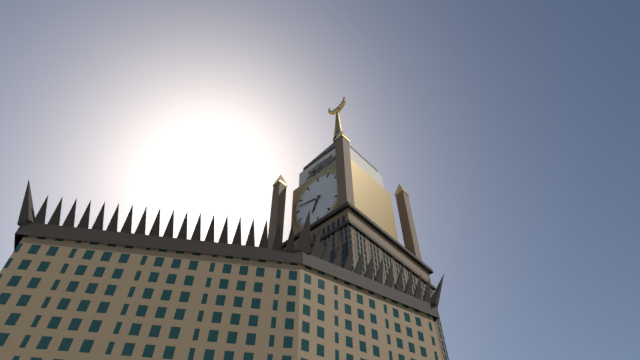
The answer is 6h47
